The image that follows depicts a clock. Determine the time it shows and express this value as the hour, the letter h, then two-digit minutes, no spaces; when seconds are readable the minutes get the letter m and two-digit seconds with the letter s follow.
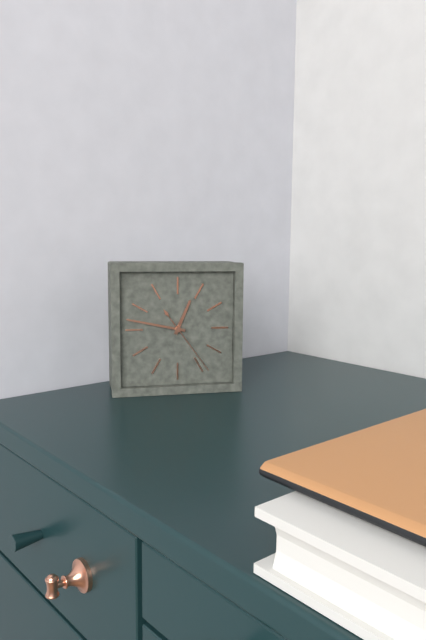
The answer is 12h47m24s
